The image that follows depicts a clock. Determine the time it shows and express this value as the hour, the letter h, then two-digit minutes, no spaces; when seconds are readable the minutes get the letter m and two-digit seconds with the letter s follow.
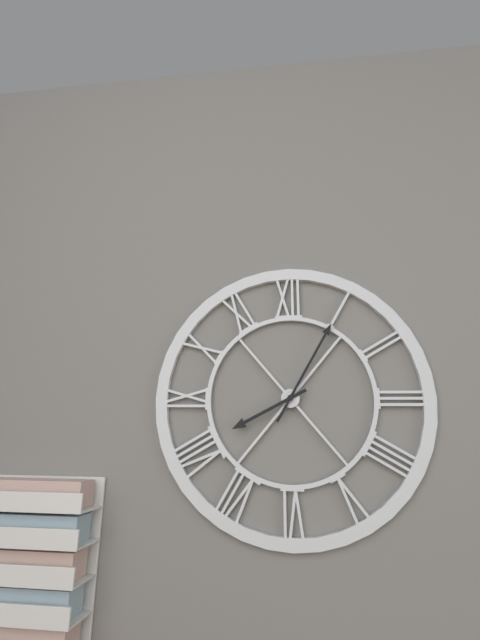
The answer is 8h05
